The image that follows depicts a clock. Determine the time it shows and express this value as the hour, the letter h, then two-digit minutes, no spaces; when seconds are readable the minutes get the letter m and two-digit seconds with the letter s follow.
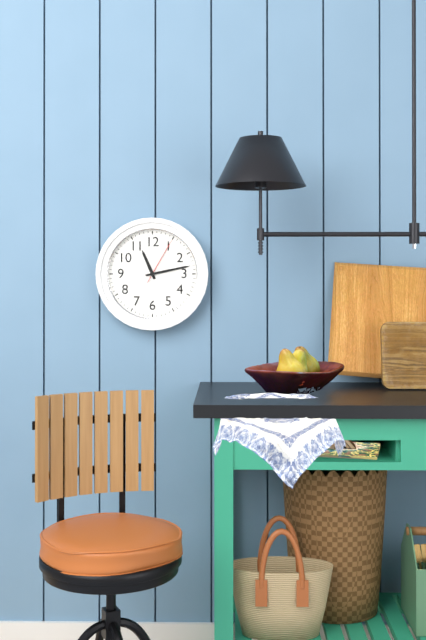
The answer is 11h13m05s
